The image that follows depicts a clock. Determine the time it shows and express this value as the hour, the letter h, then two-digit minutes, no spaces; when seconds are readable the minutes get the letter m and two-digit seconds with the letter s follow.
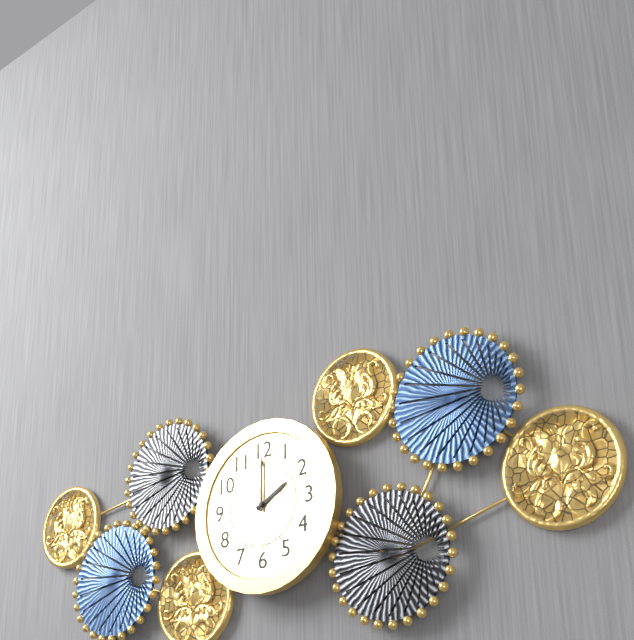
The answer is 2h00m12s
